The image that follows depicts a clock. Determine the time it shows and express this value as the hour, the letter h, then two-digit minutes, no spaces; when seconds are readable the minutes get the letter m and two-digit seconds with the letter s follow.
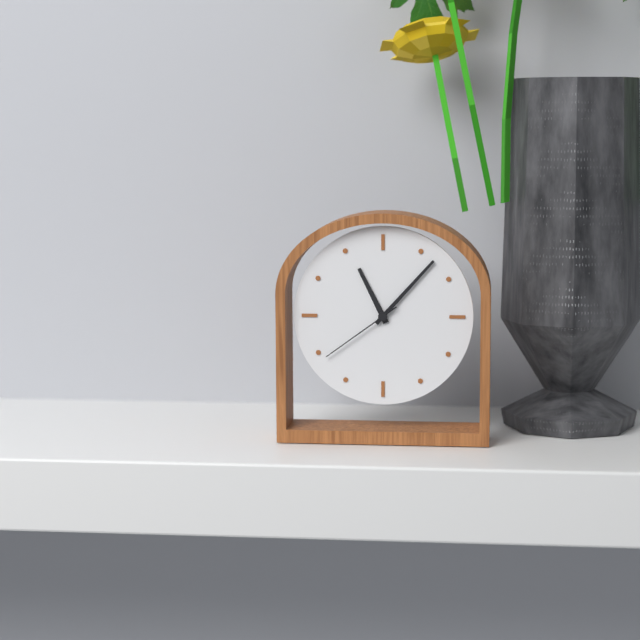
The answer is 11h07m39s
